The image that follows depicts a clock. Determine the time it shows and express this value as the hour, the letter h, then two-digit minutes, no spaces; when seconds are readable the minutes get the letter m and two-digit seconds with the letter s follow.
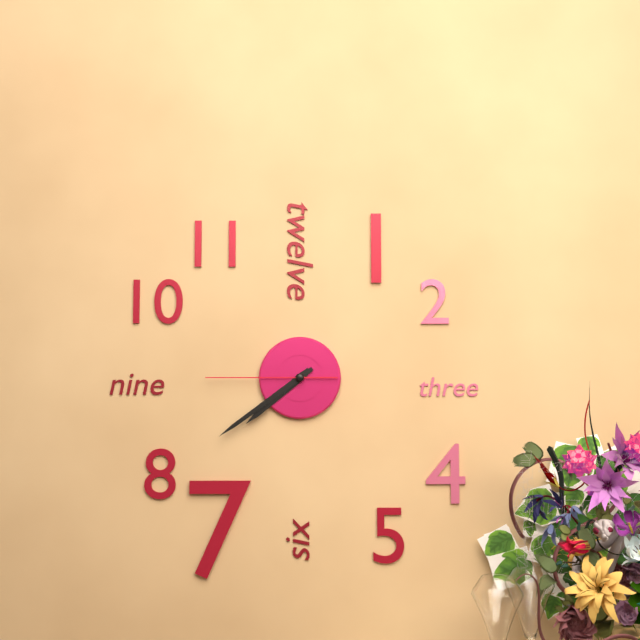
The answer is 7h39m45s
